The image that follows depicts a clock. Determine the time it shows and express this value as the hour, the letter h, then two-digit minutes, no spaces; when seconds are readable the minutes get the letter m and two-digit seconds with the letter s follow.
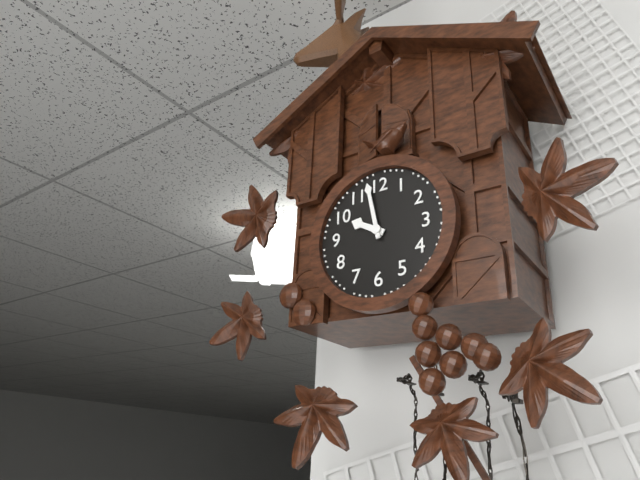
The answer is 9h58
